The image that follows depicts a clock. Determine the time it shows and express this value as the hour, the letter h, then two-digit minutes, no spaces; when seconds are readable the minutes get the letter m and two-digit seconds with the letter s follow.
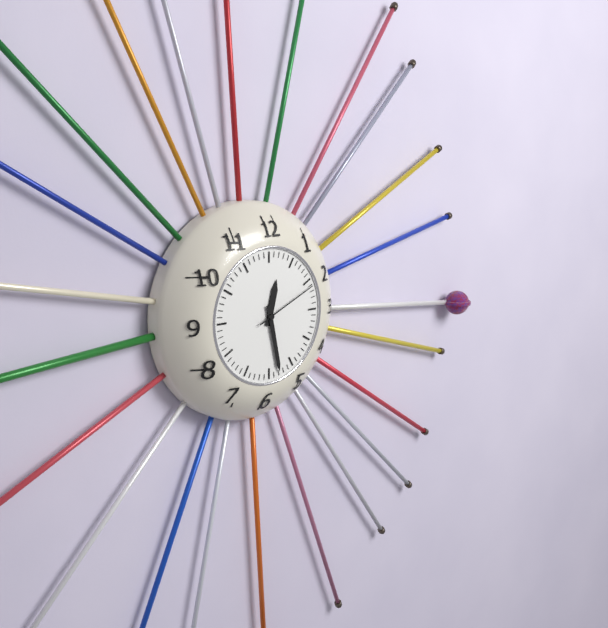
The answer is 12h28m11s
